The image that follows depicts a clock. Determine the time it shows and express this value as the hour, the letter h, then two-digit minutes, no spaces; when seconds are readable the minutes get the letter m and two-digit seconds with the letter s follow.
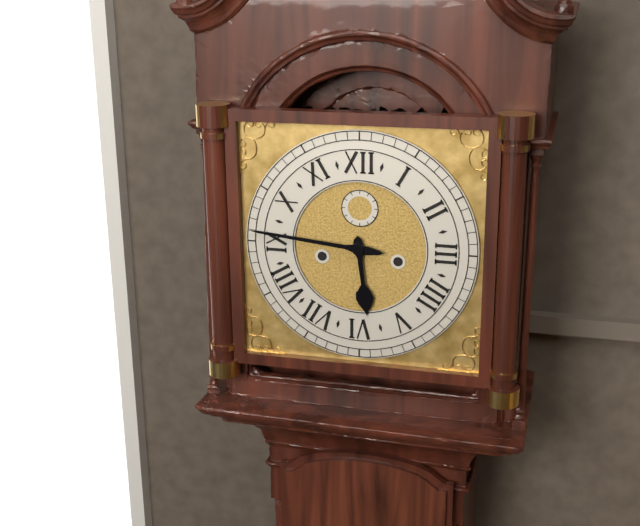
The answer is 5h46
